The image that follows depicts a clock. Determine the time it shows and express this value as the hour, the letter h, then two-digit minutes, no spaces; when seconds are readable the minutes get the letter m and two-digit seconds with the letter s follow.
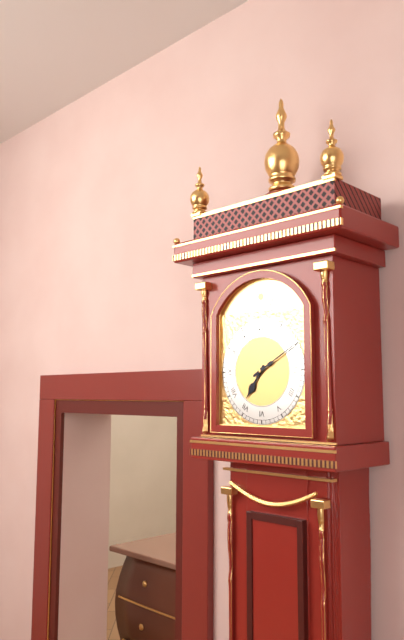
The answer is 7h10
